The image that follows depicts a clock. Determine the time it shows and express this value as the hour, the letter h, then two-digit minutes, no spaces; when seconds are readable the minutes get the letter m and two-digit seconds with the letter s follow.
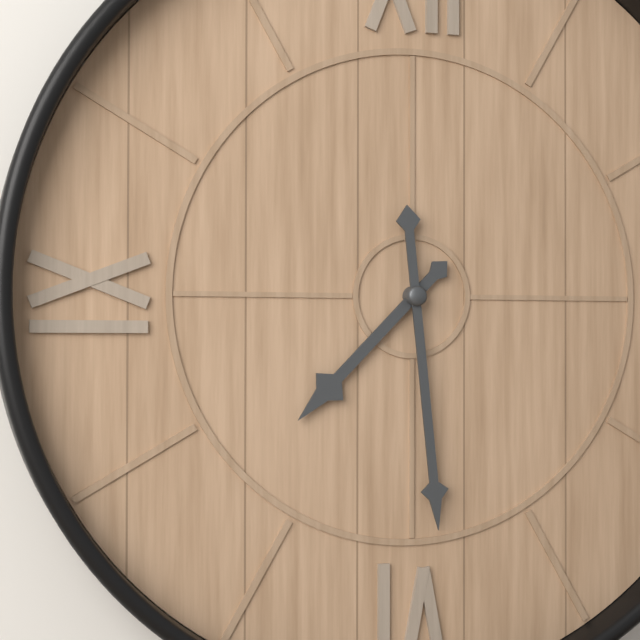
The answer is 7h29
